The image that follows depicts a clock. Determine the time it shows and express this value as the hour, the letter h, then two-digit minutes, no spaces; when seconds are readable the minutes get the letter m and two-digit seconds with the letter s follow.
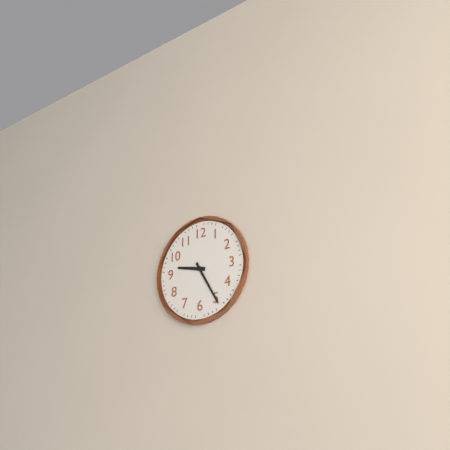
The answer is 9h25
